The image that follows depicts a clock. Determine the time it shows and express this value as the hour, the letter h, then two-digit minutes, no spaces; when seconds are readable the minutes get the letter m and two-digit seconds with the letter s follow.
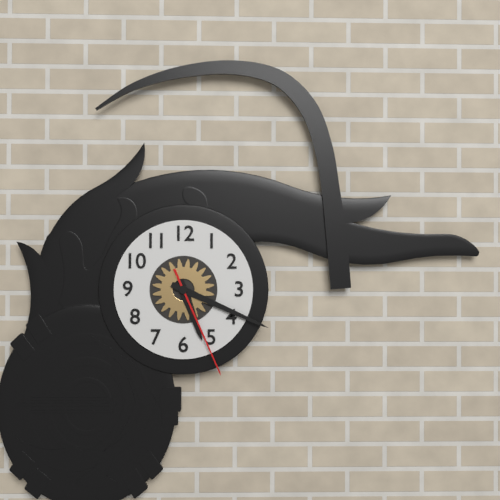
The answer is 5h19m26s
